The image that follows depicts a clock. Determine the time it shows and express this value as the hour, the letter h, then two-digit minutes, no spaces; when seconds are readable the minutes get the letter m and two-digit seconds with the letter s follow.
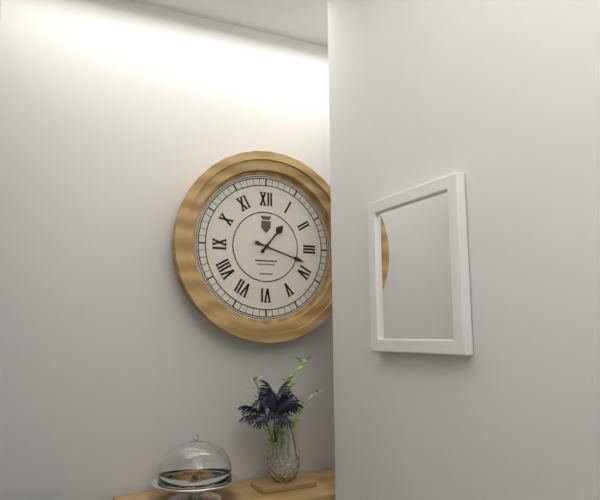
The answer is 1h18
